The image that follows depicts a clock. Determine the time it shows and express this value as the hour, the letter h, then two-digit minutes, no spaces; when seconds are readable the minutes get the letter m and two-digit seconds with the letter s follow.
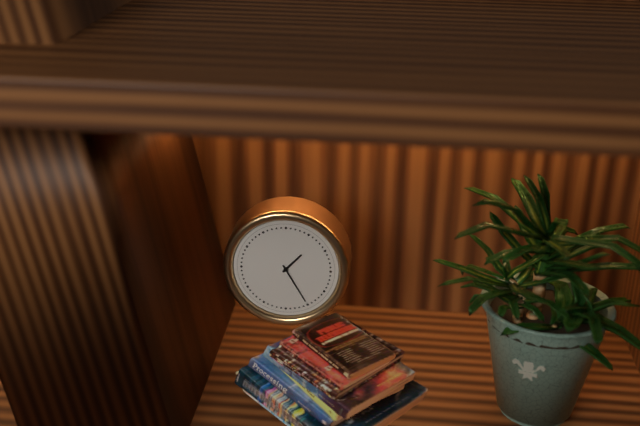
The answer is 1h25
